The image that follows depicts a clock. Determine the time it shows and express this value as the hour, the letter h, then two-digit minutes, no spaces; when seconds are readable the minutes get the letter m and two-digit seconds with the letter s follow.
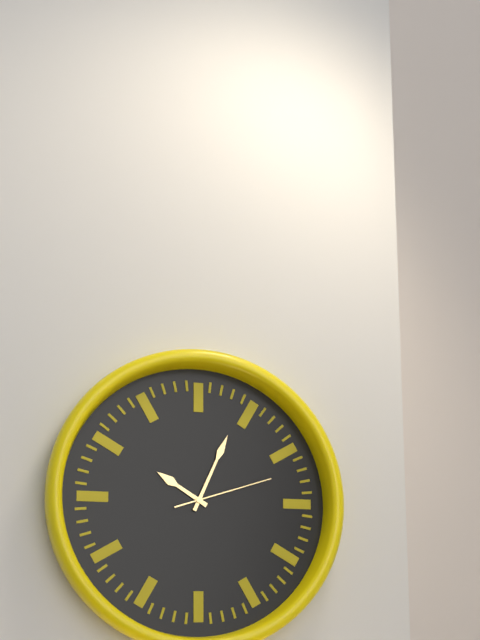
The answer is 10h04m12s
